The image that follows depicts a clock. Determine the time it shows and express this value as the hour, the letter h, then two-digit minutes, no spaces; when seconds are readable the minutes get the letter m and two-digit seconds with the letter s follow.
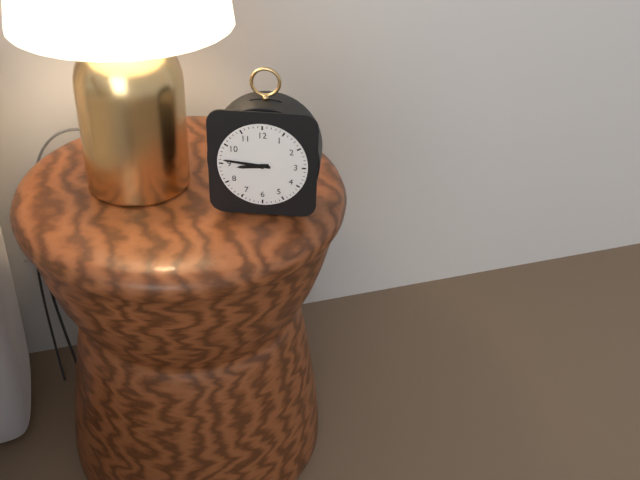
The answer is 8h46
